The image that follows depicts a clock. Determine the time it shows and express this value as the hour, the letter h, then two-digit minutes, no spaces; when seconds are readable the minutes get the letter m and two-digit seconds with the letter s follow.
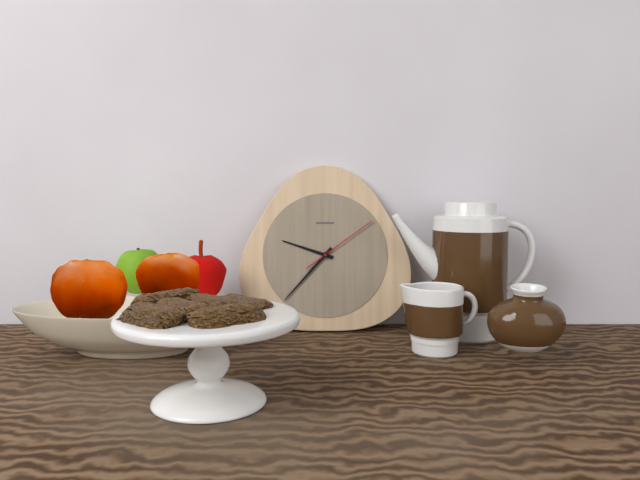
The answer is 9h37m09s
